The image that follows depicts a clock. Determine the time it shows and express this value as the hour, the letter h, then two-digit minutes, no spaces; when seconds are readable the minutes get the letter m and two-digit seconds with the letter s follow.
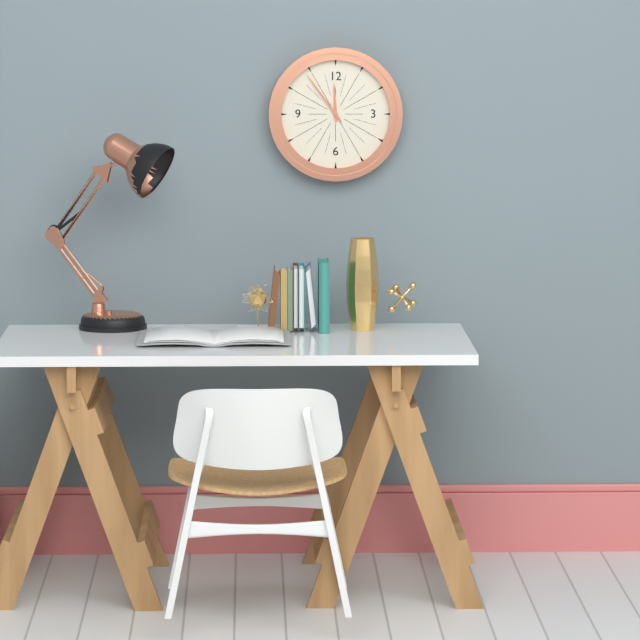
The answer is 11h54
